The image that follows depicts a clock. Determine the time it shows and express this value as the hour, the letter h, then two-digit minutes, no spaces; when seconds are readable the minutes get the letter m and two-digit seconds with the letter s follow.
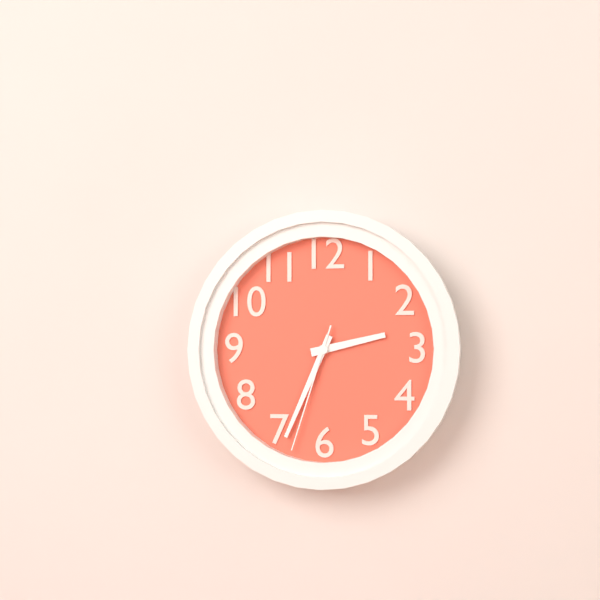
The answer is 2h34m33s
